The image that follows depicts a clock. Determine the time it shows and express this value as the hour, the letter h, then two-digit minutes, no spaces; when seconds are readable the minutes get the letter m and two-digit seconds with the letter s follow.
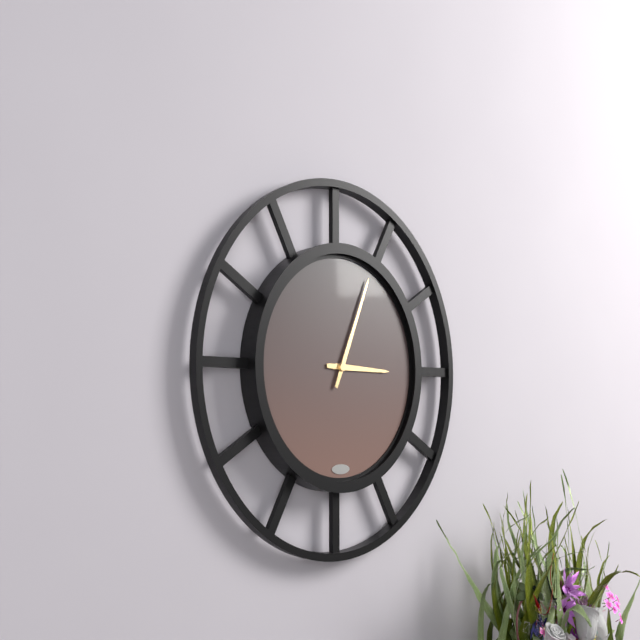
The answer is 3h04
